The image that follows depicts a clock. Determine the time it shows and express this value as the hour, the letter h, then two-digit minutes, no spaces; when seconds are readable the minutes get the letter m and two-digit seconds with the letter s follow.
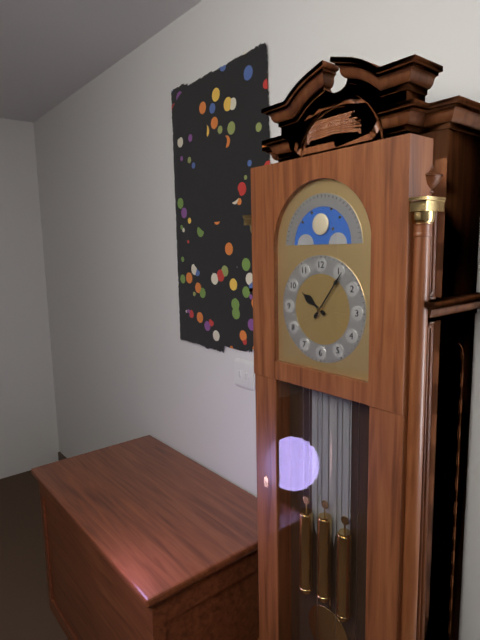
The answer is 10h06
